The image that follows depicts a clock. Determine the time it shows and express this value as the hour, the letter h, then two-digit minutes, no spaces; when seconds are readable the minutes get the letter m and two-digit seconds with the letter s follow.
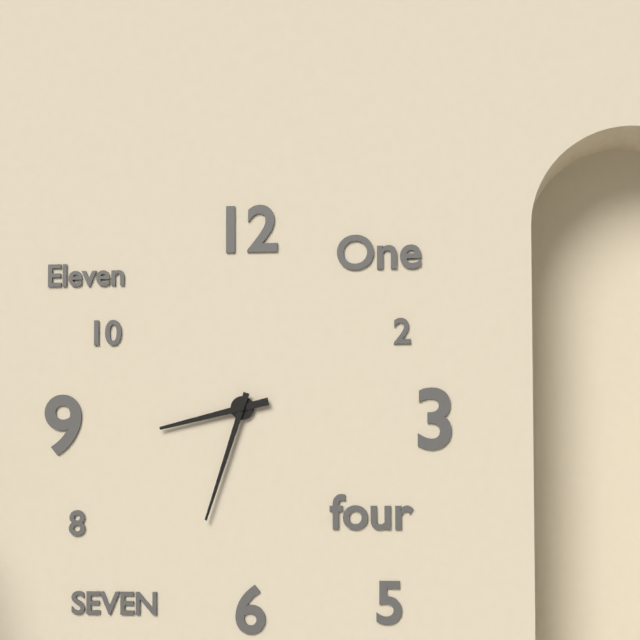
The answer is 8h33
